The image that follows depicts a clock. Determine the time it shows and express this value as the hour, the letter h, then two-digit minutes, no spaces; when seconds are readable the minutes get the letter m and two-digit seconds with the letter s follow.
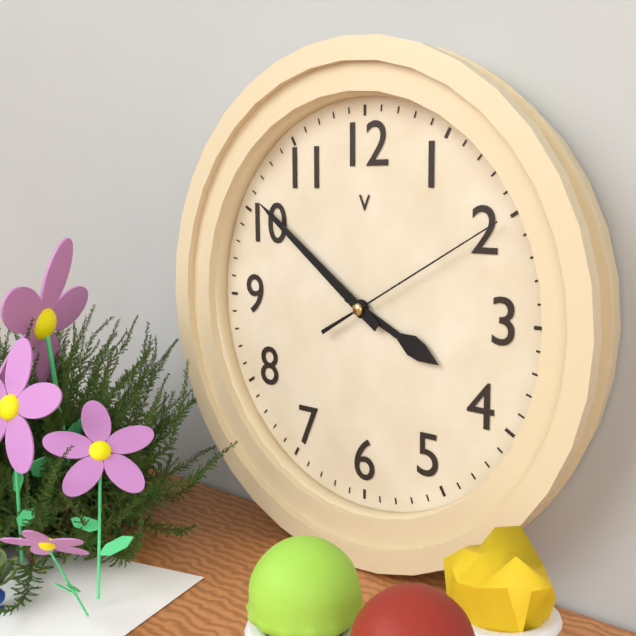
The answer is 3h51m10s
